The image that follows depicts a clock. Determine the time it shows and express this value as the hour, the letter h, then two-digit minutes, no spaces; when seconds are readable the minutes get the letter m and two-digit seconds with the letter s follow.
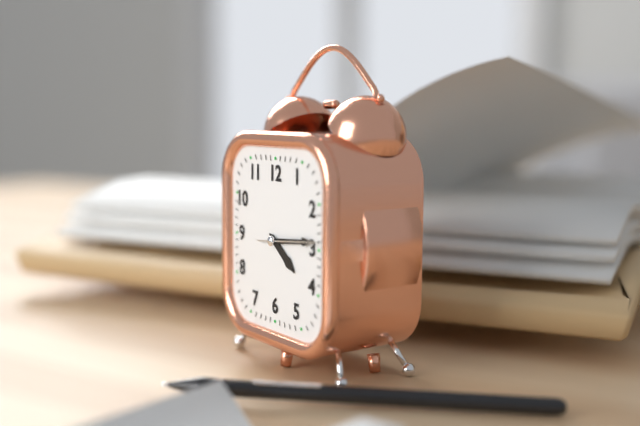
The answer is 4h14m14s
